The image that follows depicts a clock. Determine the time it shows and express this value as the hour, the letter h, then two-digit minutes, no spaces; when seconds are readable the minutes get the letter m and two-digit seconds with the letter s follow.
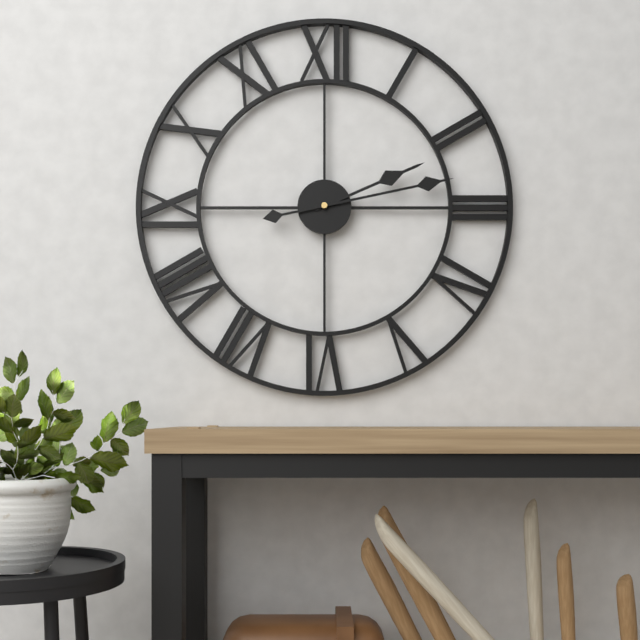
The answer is 2h13
